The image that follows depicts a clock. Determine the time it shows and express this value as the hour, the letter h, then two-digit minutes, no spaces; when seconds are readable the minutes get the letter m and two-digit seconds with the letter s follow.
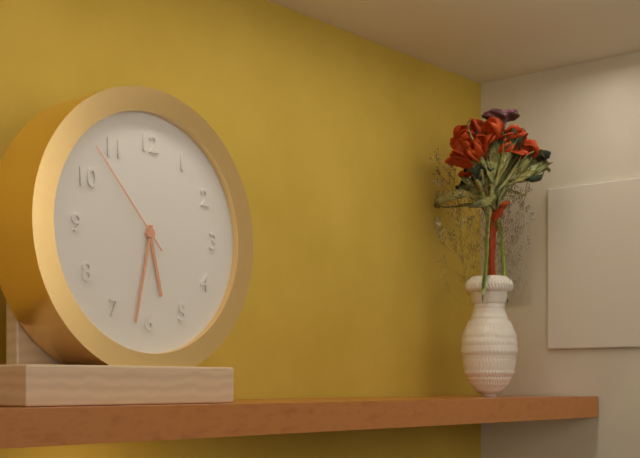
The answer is 5h32m53s
